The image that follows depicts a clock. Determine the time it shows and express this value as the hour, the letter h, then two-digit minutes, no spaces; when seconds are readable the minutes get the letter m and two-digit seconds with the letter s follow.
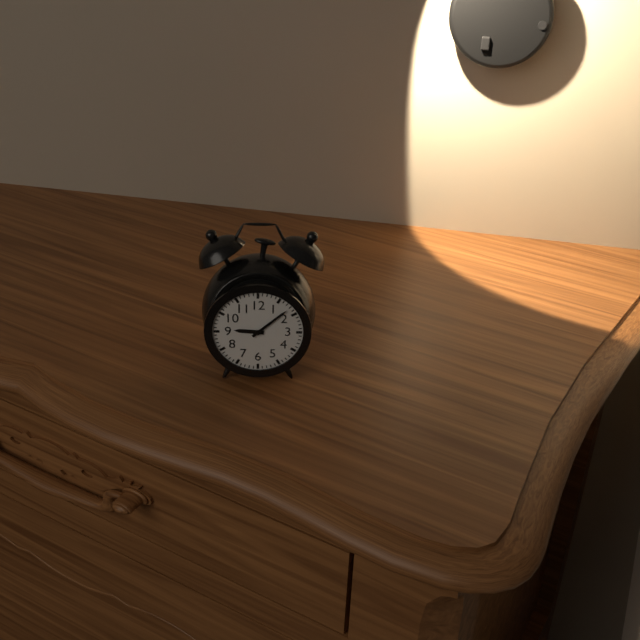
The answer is 9h08
